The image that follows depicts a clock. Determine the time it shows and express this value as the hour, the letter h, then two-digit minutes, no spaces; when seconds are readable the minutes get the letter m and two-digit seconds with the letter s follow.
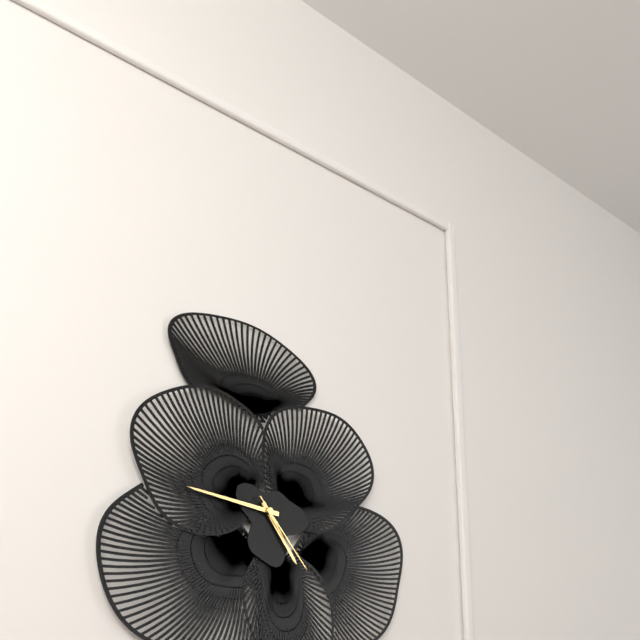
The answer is 4h46m23s
